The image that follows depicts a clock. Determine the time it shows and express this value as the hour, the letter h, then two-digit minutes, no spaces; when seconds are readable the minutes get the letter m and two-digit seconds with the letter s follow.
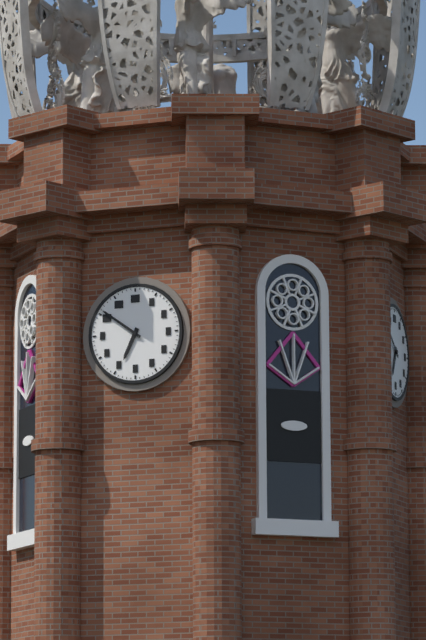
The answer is 6h51
